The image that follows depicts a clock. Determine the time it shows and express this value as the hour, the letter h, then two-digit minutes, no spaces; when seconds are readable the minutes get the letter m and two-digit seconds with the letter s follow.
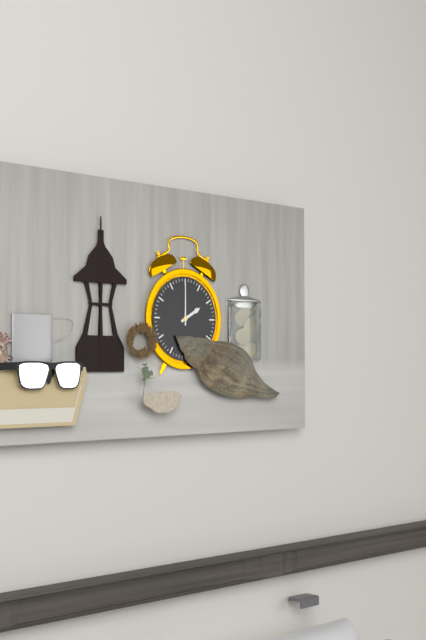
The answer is 2h00
